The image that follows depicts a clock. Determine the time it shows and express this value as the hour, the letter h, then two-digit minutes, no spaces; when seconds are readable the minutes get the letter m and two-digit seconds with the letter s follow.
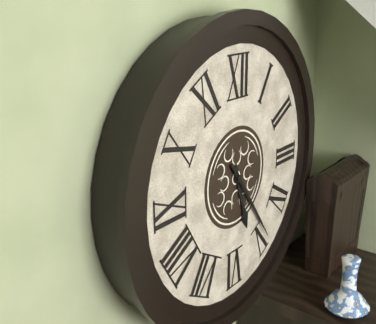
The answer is 5h24
